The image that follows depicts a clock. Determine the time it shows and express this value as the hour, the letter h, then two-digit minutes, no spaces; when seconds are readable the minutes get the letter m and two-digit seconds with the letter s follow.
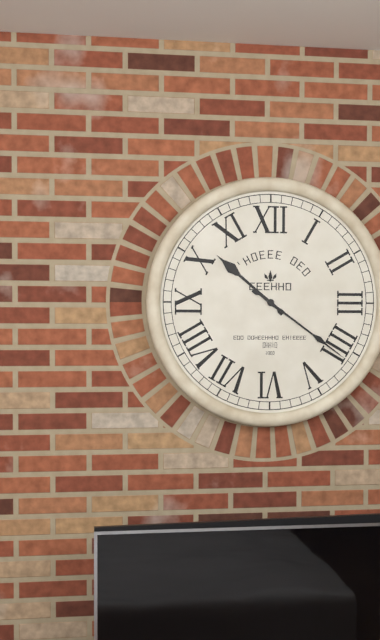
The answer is 10h21
